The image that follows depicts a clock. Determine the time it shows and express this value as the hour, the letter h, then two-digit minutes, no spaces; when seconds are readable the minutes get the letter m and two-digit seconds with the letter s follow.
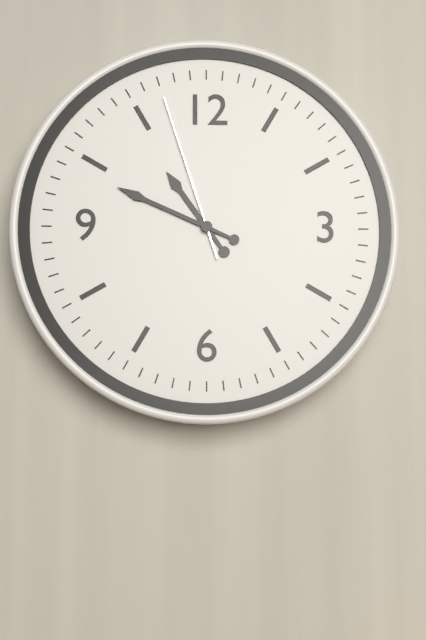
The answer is 10h49m57s
